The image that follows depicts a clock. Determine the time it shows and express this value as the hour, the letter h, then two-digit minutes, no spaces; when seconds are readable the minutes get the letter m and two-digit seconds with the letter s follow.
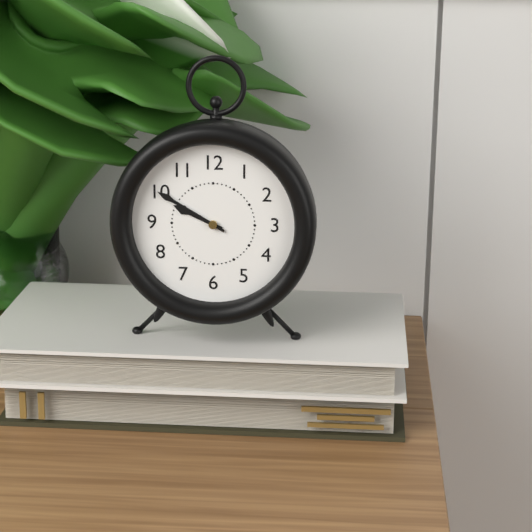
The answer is 9h50
